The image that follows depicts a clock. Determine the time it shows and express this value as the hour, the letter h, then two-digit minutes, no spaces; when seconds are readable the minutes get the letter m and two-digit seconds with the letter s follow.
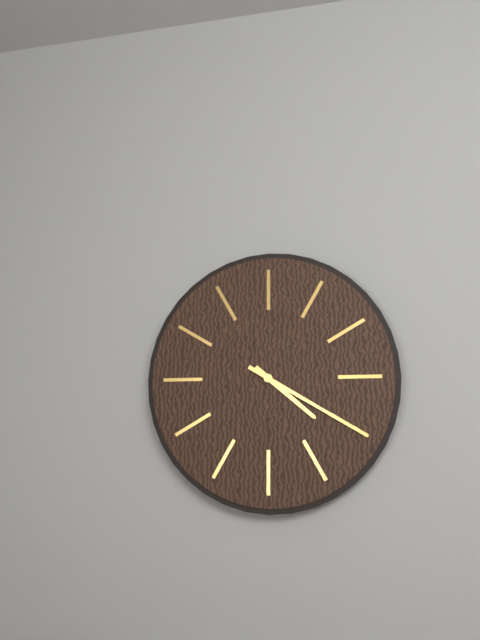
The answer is 4h20
